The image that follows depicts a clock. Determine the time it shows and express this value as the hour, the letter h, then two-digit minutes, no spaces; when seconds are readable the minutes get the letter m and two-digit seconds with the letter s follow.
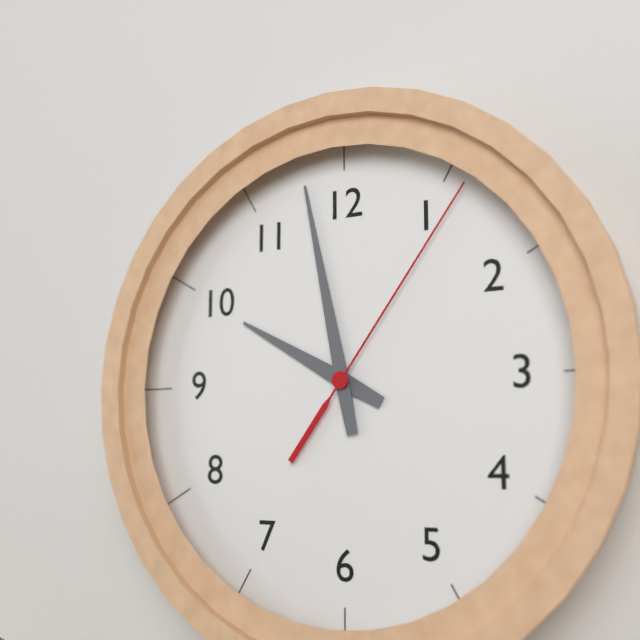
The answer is 9h58m06s
